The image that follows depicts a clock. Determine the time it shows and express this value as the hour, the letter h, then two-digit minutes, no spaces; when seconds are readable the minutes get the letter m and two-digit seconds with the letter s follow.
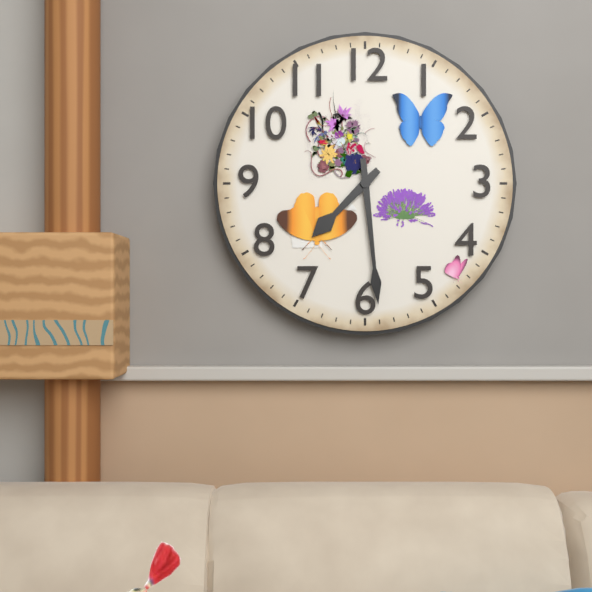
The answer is 7h29
